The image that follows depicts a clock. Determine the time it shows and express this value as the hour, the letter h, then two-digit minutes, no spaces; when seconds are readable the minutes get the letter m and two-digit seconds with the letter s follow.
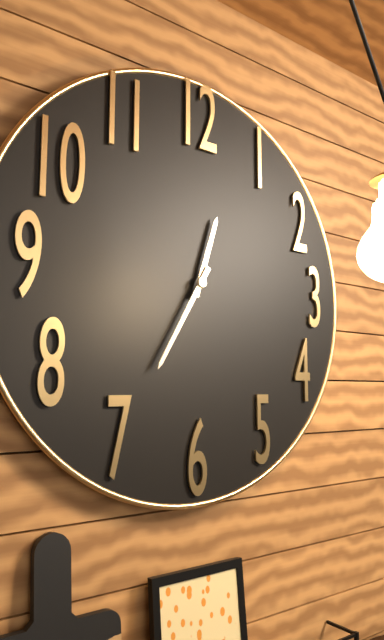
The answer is 12h35
